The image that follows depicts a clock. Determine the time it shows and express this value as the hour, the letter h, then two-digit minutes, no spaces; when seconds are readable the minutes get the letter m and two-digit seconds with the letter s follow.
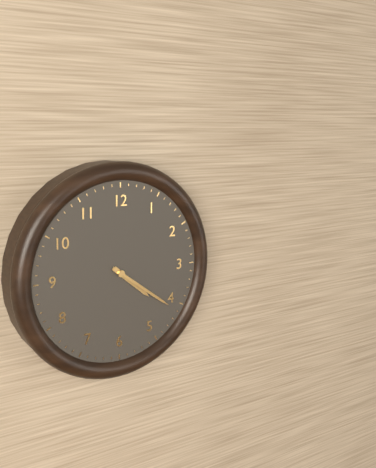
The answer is 4h21
